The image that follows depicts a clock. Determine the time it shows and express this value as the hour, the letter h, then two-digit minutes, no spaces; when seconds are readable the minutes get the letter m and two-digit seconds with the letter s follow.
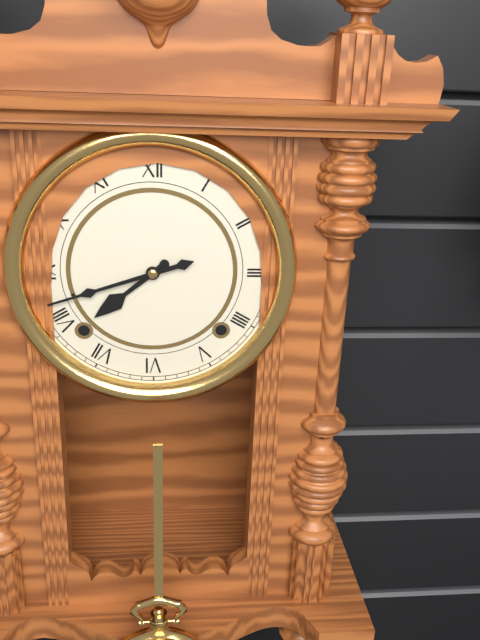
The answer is 7h42
